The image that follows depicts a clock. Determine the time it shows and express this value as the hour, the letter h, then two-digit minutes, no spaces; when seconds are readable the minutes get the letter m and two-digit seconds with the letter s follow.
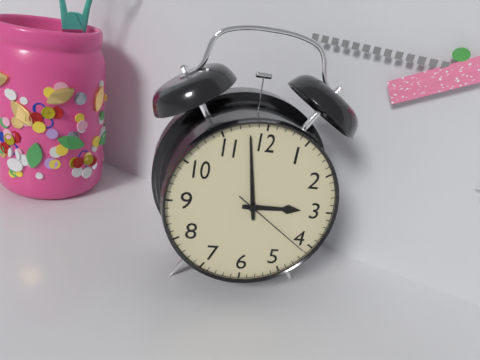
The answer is 2h58m21s
